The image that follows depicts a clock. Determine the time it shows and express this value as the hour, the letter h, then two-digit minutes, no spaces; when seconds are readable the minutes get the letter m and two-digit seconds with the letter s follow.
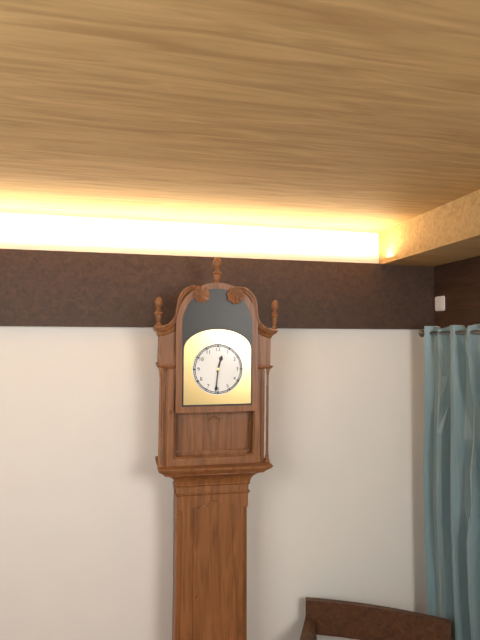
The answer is 12h31
